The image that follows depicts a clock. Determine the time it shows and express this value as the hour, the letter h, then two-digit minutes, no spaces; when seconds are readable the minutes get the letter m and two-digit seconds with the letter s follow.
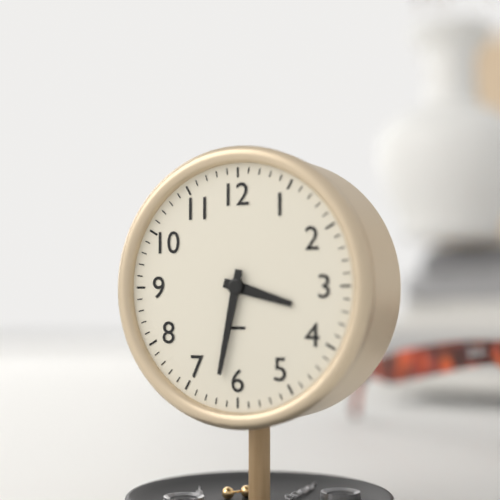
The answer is 3h32
